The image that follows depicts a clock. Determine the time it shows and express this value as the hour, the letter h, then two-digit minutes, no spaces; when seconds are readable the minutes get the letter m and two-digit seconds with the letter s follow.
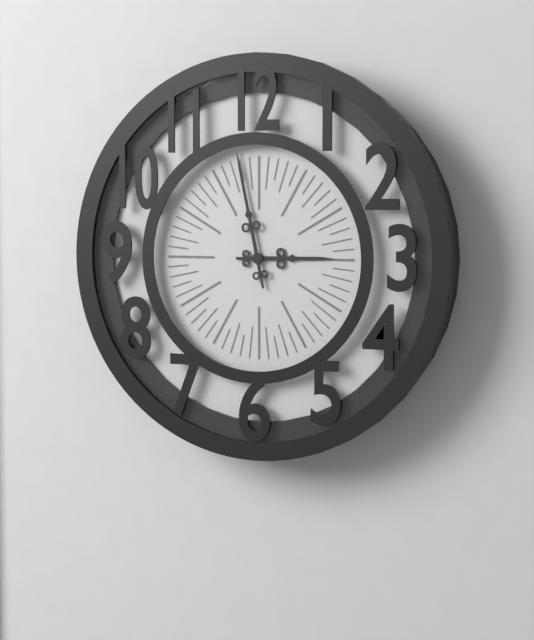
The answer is 2h58
